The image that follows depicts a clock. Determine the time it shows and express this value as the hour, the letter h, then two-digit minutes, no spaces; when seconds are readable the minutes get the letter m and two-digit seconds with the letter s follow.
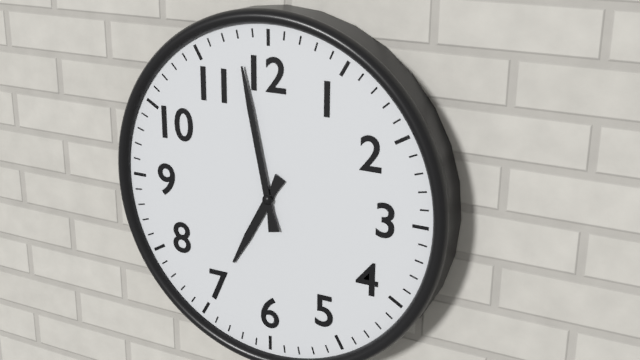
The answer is 6h58
